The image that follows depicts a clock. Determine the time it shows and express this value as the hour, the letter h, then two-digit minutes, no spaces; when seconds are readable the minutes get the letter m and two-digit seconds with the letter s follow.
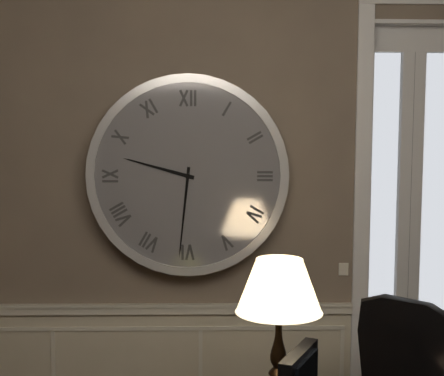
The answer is 9h31
